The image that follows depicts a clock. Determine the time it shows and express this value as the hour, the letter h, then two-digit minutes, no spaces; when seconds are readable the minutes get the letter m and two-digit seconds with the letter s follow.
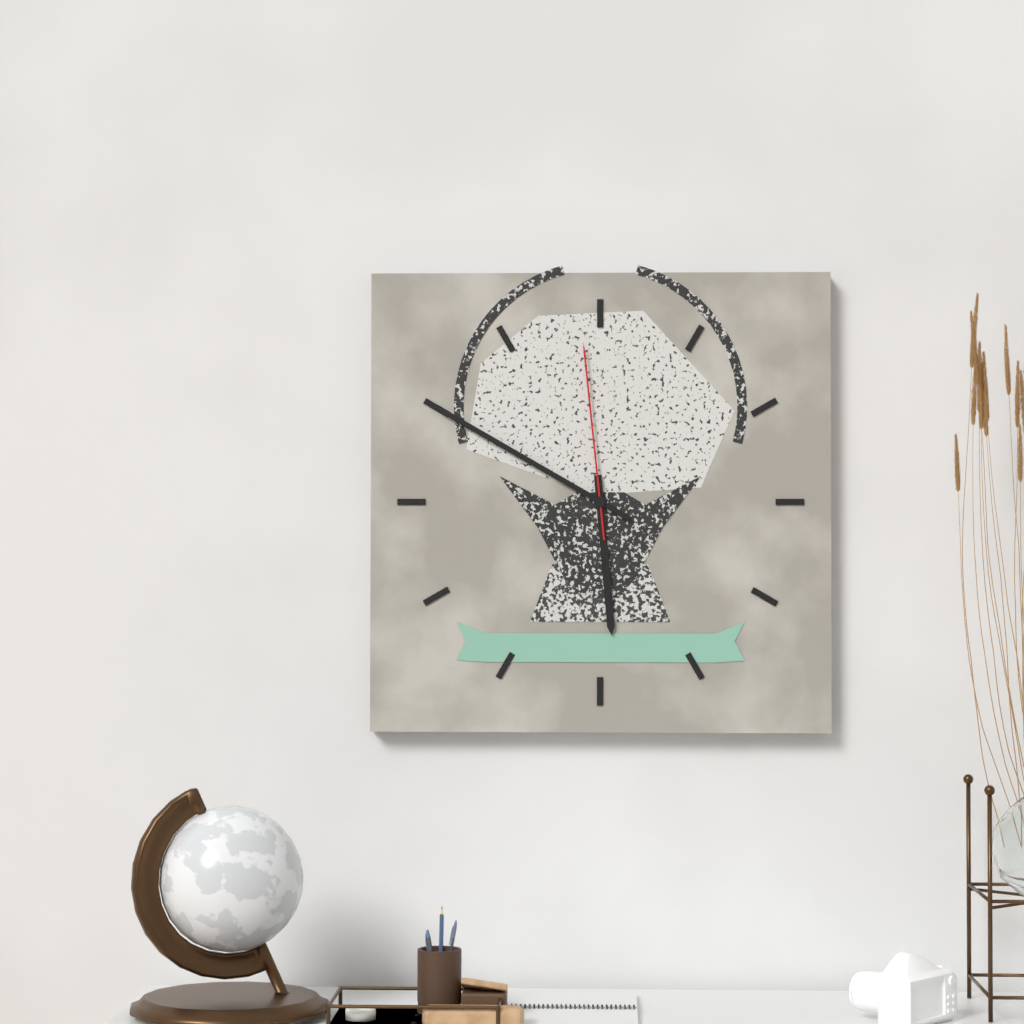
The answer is 5h50m59s
